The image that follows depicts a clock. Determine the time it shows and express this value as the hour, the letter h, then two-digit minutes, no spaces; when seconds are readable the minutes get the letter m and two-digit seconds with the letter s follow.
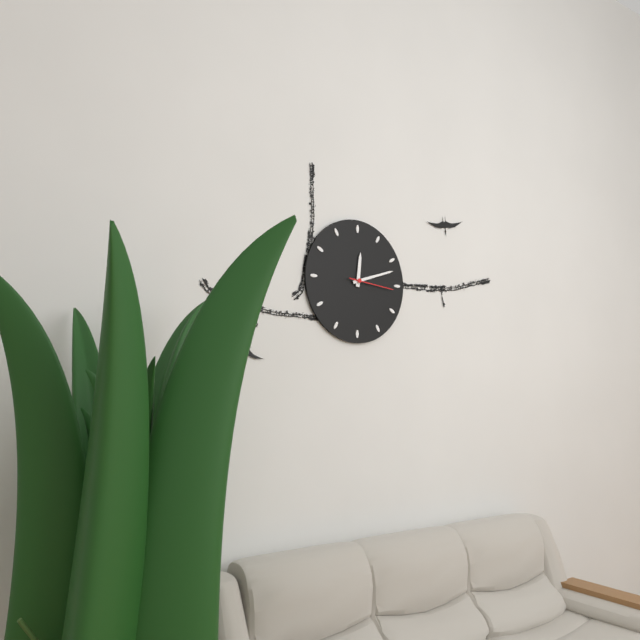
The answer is 12h12
